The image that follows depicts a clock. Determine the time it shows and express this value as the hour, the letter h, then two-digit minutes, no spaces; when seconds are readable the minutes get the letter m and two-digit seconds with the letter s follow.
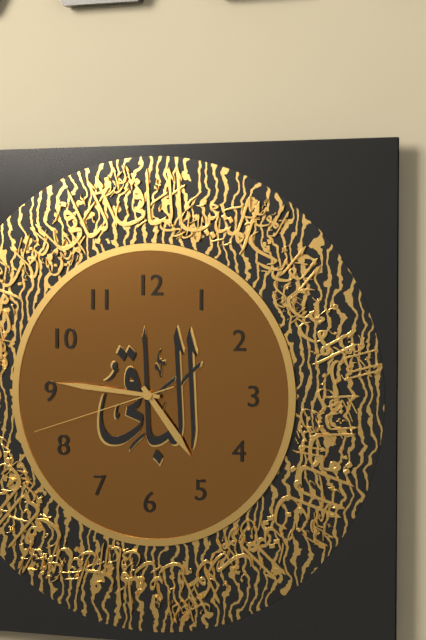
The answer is 4h46m42s
